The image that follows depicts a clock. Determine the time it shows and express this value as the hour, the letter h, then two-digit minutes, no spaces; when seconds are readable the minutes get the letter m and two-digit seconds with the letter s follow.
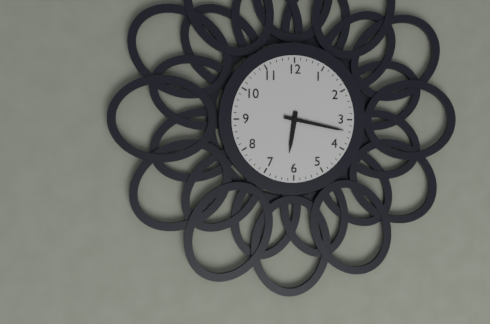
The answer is 6h17
